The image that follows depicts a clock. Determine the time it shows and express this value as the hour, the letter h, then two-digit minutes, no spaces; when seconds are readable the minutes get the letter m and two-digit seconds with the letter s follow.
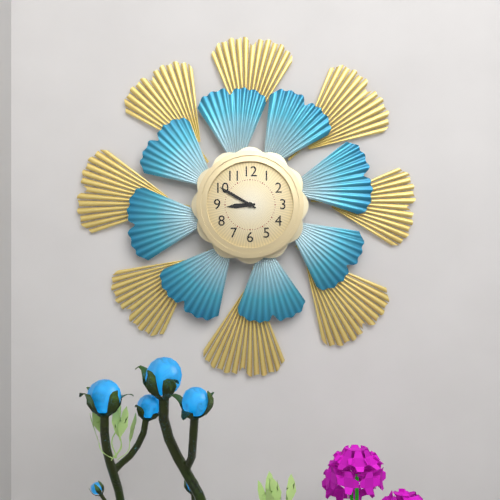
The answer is 8h50
